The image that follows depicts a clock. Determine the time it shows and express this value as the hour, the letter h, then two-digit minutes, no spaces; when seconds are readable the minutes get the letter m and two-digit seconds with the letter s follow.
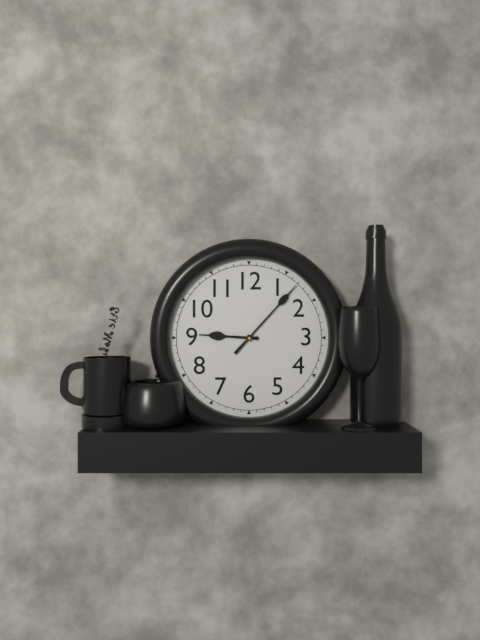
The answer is 9h07
